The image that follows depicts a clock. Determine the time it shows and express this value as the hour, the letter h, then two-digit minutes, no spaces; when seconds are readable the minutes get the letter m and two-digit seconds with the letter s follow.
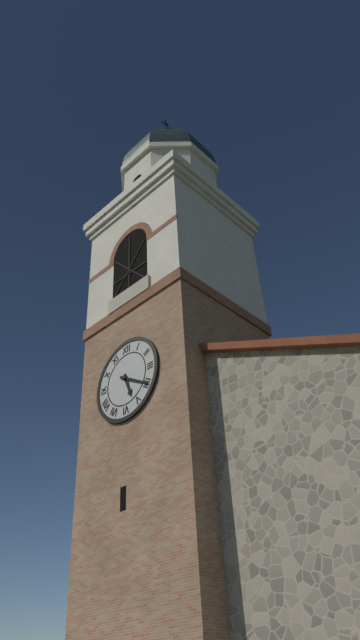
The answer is 5h20
